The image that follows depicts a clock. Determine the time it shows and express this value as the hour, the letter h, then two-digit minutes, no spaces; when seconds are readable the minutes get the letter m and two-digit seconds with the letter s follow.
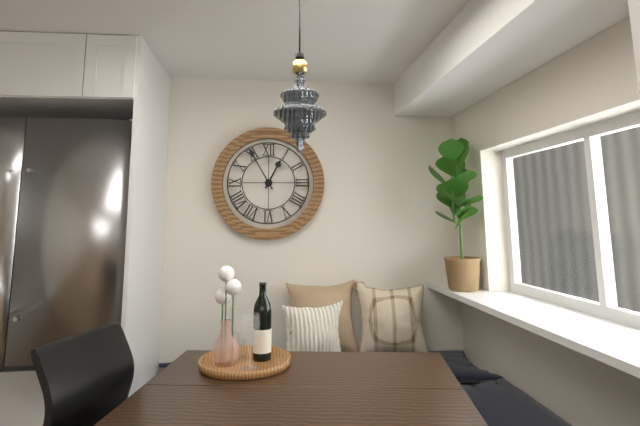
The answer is 12h55
